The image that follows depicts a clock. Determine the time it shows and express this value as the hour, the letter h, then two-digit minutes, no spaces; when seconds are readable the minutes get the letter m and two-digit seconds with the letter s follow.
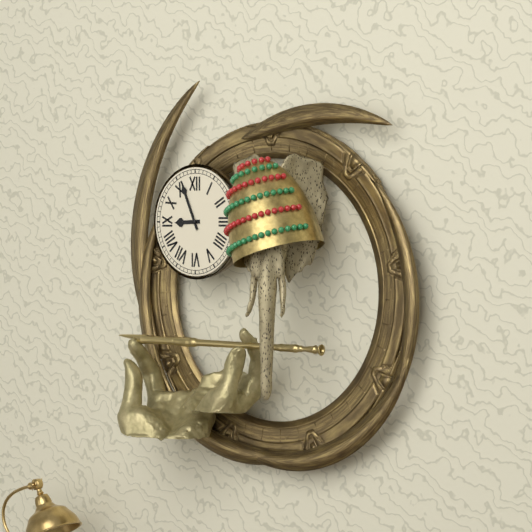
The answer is 8h56
